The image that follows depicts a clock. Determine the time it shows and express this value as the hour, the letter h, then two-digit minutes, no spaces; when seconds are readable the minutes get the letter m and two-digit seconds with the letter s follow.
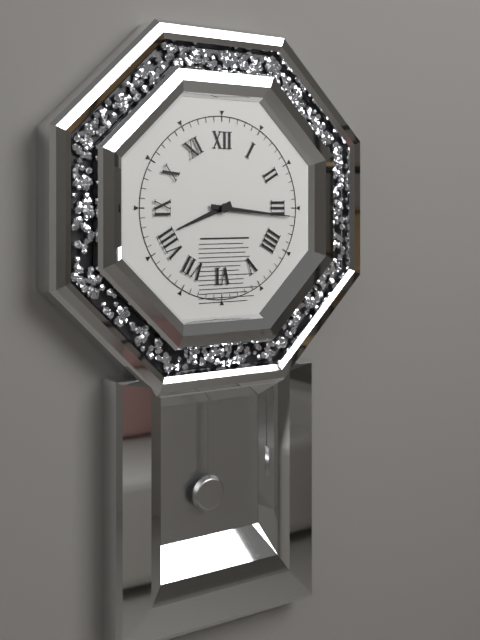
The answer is 8h16
